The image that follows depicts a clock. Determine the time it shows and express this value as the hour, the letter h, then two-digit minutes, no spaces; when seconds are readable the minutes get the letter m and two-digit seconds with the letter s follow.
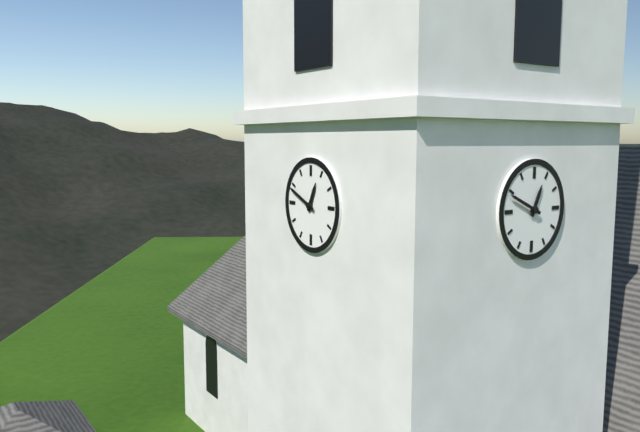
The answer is 12h49
